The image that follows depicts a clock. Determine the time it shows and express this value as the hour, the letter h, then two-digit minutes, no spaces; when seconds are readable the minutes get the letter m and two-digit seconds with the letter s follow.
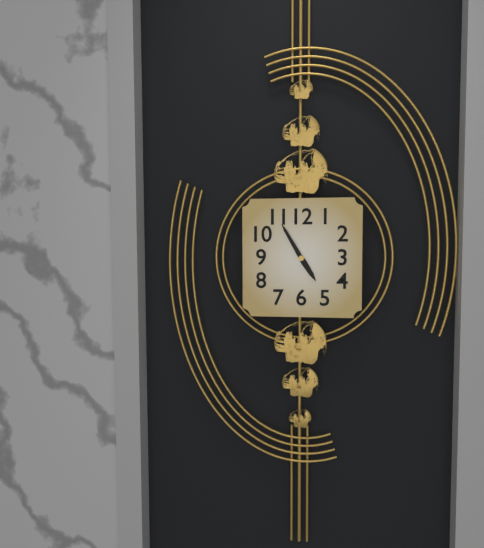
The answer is 4h55
